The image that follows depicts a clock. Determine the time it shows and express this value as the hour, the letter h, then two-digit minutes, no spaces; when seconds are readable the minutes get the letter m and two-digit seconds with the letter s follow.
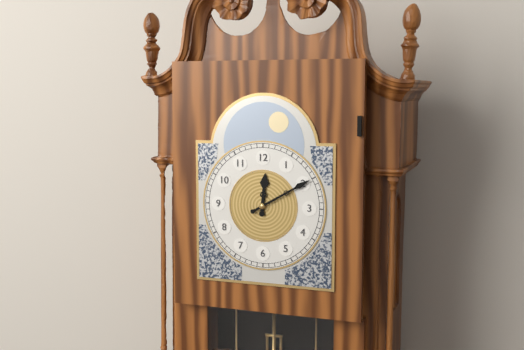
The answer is 12h10
